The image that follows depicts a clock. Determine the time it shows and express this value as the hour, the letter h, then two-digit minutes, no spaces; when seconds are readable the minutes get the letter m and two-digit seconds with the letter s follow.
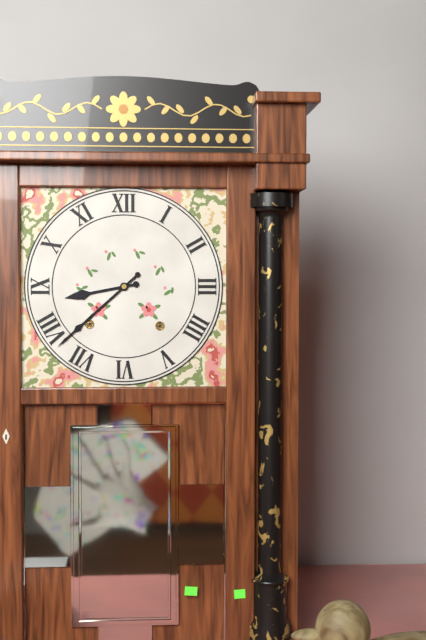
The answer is 8h38
